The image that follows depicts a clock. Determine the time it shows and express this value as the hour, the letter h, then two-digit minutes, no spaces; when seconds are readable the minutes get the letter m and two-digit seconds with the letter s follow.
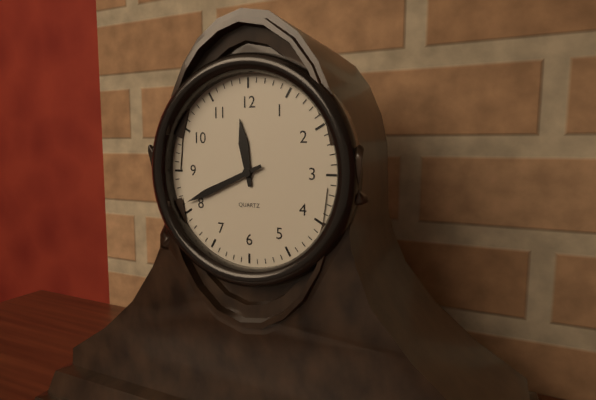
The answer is 11h41
